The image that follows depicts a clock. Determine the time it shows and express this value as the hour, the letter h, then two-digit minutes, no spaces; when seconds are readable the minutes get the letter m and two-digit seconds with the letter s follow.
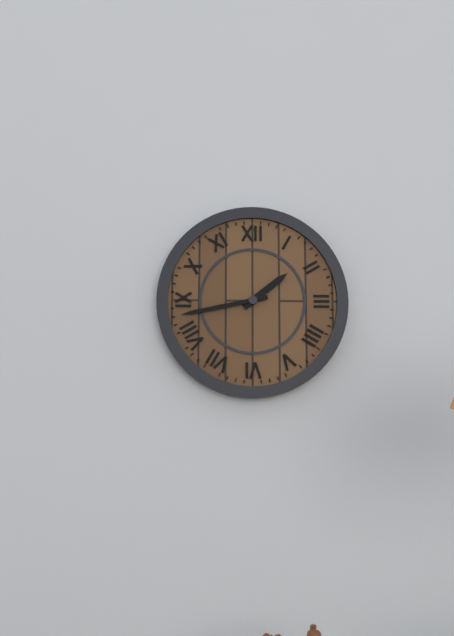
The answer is 1h43
